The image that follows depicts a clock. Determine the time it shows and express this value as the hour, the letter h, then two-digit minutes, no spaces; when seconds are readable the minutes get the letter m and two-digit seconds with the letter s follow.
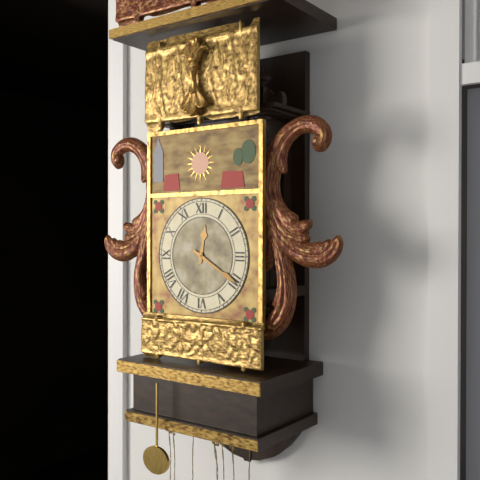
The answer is 12h20
